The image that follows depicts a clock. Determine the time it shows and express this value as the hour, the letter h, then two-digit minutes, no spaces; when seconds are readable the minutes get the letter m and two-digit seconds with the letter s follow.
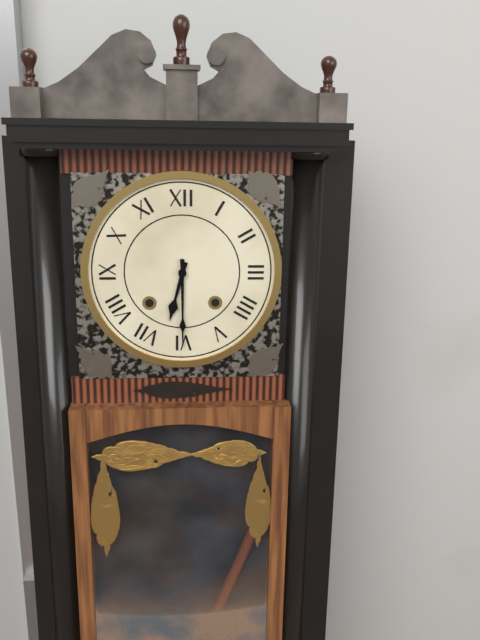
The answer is 6h30
